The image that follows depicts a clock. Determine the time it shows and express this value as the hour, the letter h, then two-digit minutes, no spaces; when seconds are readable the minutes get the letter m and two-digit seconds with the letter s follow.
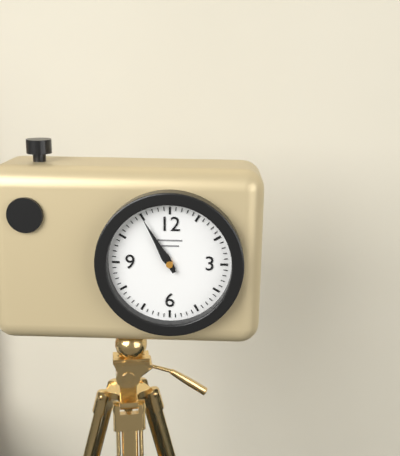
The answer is 10h55
